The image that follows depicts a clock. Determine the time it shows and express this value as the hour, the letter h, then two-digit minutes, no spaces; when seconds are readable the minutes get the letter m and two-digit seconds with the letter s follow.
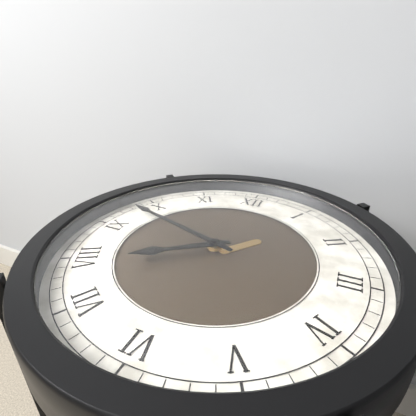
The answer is 7h48
